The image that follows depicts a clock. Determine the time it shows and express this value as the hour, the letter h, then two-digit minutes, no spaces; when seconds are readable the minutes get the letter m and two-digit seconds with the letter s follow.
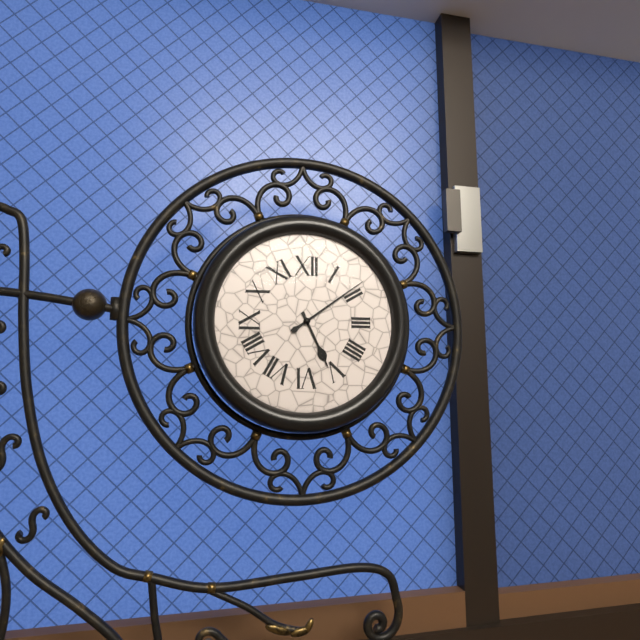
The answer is 5h09
